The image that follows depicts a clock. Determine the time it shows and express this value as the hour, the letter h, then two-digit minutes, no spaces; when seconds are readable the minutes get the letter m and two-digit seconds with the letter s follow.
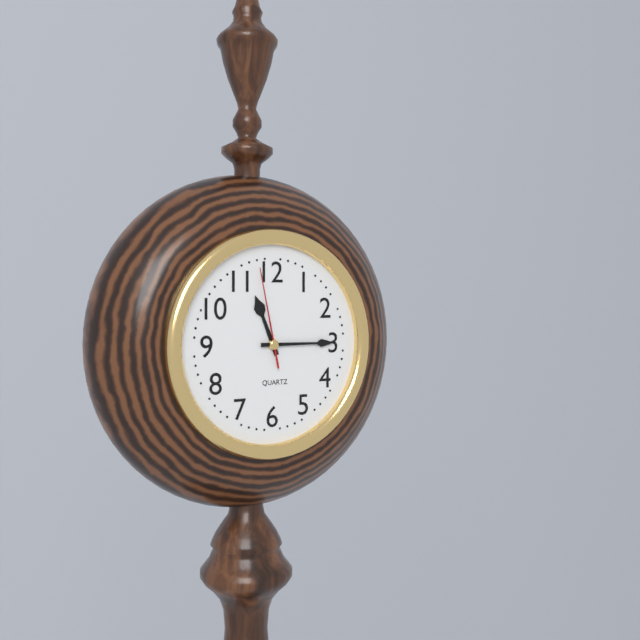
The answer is 11h15m58s
